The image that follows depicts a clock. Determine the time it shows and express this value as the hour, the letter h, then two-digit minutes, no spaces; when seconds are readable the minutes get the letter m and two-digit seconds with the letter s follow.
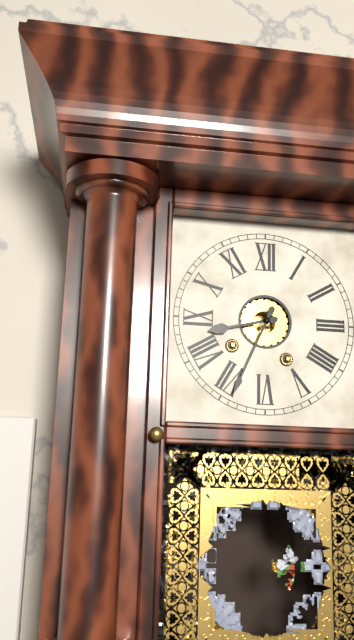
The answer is 8h34
